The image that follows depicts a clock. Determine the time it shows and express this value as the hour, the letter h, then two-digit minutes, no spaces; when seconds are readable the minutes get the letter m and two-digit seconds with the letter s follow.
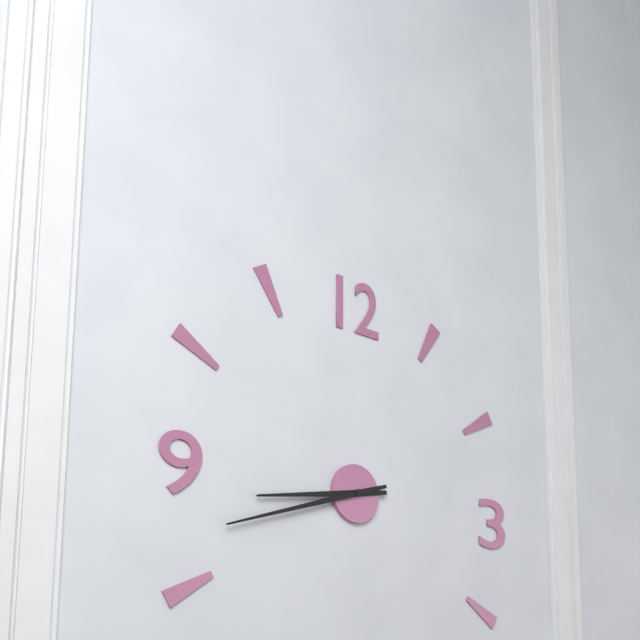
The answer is 8h42
